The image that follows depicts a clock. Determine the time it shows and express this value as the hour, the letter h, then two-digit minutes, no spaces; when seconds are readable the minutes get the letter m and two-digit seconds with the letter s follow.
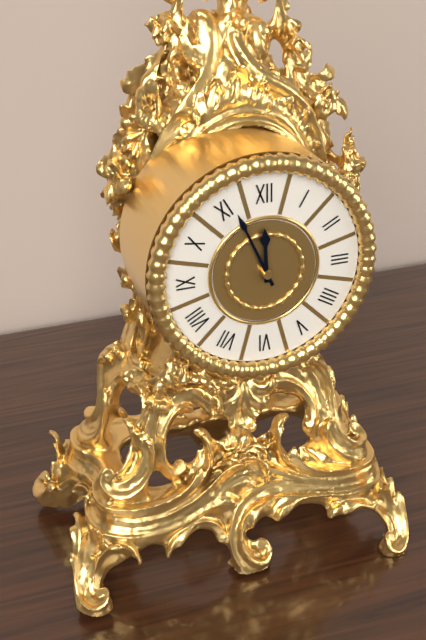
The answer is 11h56
